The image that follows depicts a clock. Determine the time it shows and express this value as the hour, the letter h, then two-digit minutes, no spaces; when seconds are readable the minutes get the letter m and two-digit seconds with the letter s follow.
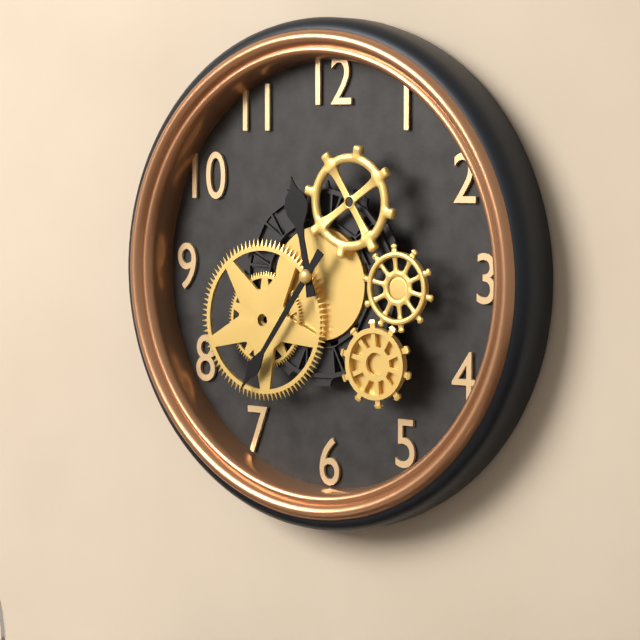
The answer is 11h36
